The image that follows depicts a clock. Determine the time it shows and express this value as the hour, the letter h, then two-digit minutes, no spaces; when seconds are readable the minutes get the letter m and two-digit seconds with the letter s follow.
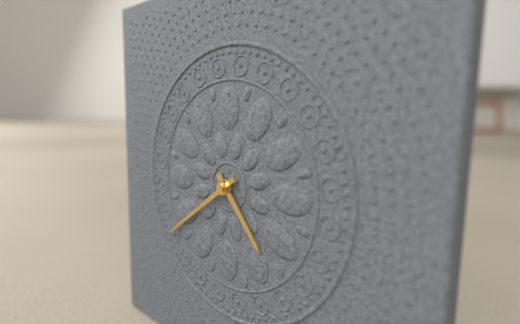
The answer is 4h39
